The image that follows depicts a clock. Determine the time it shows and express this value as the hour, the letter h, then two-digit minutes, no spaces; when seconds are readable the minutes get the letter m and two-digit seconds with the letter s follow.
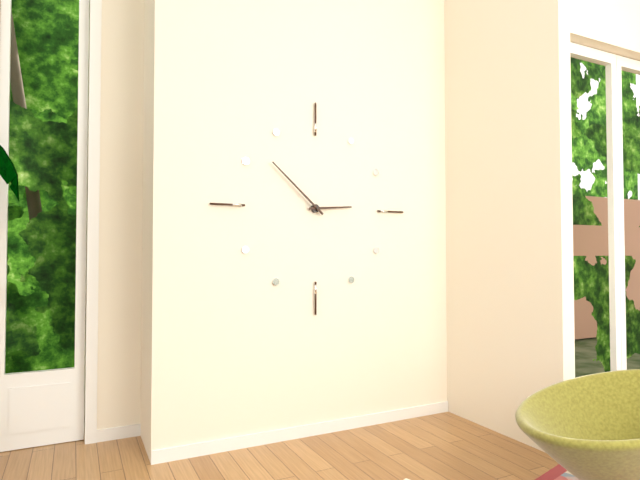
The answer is 2h52
